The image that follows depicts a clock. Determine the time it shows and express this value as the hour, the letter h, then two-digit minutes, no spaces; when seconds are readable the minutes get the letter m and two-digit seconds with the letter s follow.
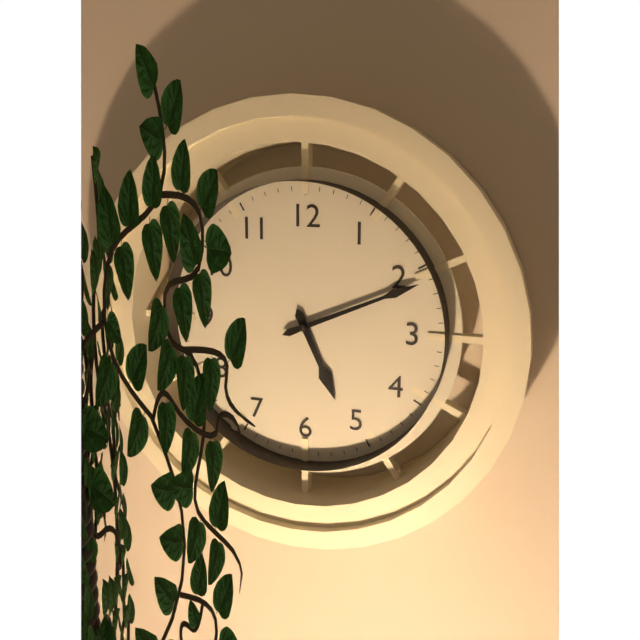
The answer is 5h11
